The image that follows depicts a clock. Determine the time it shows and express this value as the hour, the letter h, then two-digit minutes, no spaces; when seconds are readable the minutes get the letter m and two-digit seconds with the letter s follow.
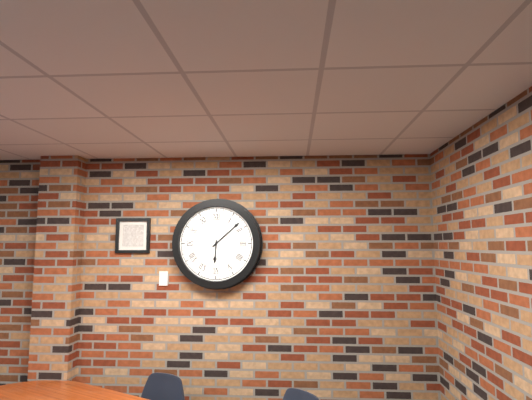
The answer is 6h08
